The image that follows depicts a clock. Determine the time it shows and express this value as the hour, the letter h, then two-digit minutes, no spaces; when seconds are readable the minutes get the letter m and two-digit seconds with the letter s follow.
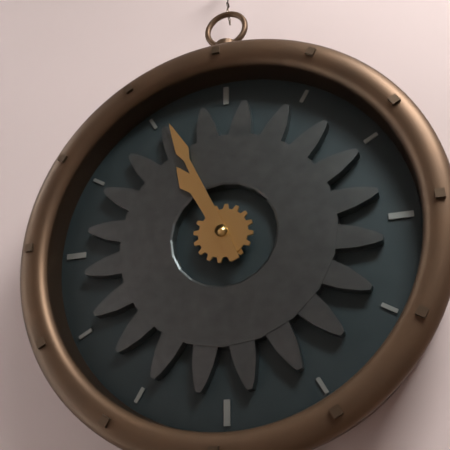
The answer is 10h56
